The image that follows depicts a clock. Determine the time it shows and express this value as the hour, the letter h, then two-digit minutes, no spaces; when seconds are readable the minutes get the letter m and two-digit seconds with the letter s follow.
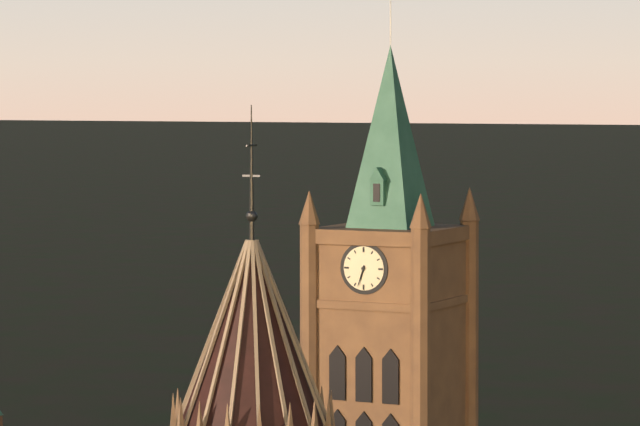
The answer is 6h33
